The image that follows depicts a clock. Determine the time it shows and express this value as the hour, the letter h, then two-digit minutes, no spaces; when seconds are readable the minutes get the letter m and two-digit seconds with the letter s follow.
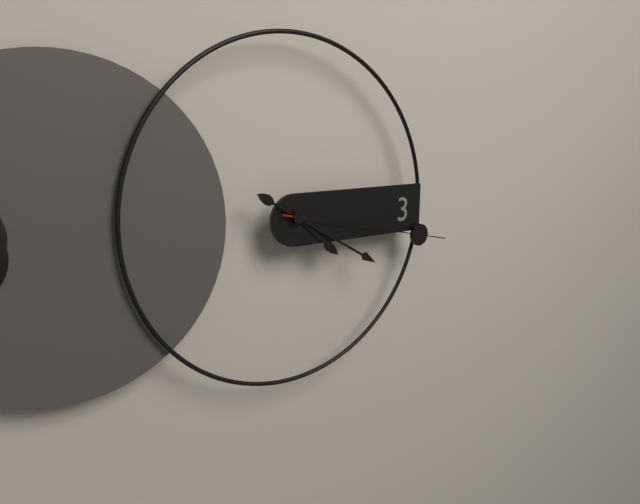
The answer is 4h20m17s
